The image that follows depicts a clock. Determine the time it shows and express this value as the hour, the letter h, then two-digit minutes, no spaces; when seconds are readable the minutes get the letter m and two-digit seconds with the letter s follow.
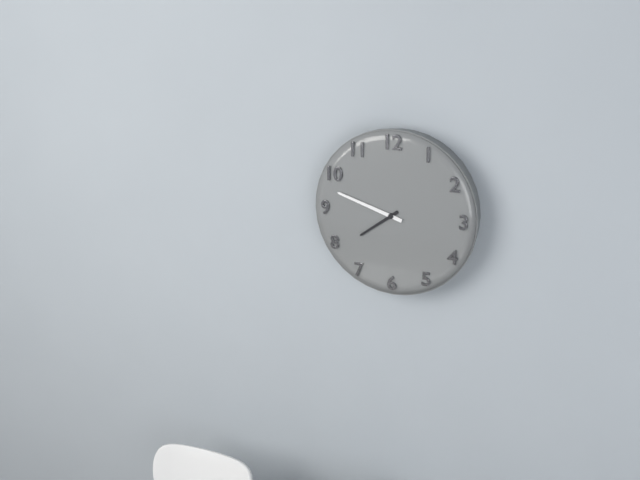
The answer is 7h48
